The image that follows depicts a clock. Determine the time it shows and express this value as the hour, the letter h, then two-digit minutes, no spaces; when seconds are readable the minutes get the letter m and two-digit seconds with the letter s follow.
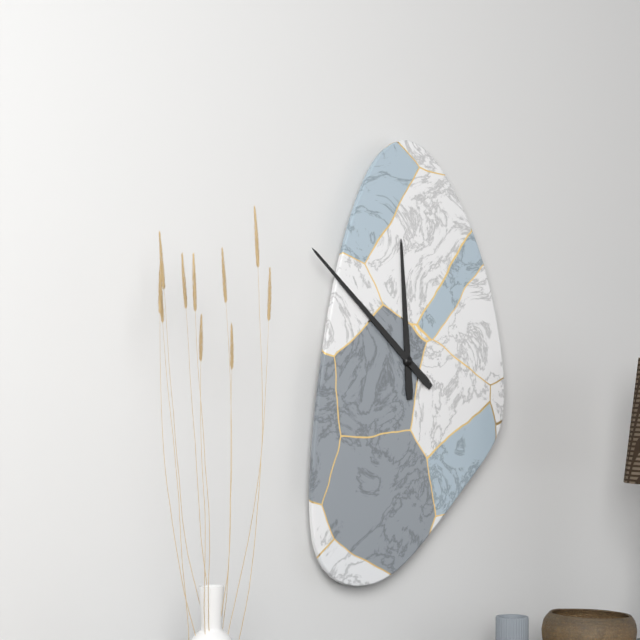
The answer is 11h52
